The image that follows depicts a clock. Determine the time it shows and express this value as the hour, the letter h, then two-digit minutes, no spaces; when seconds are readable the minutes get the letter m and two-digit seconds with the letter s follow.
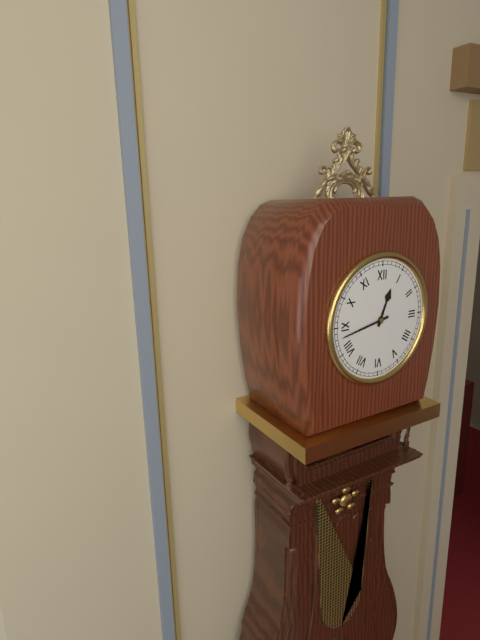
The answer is 12h43
